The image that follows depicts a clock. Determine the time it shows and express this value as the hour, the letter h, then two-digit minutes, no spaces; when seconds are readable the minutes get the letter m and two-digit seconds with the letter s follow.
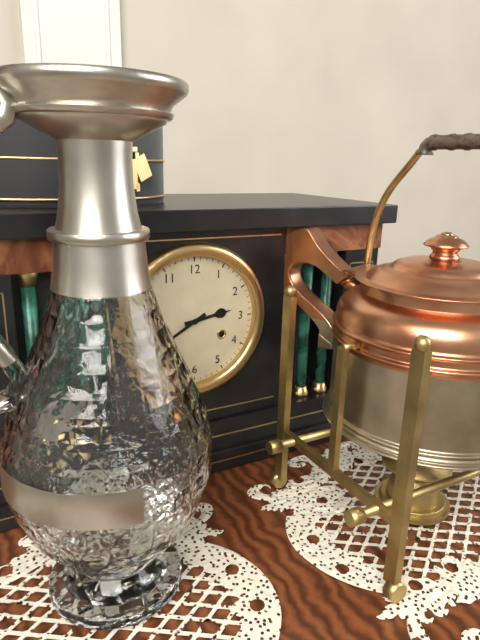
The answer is 2h40
